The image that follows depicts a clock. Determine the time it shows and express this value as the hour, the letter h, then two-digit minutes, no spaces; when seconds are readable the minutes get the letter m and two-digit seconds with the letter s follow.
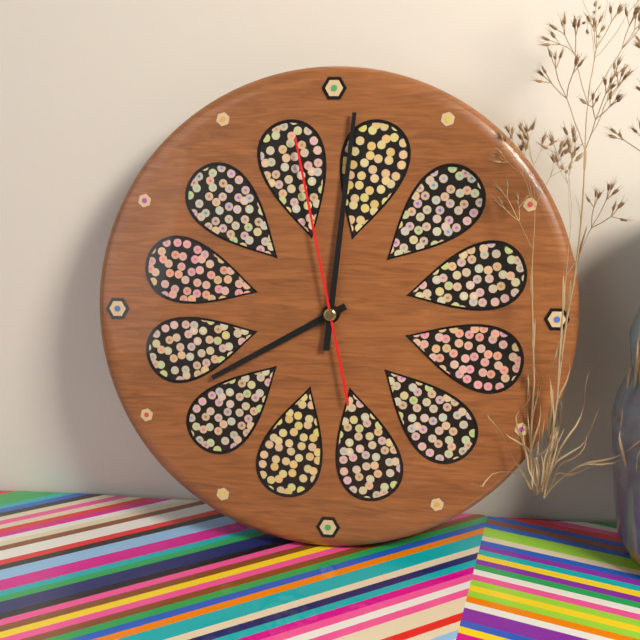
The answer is 8h01m58s
